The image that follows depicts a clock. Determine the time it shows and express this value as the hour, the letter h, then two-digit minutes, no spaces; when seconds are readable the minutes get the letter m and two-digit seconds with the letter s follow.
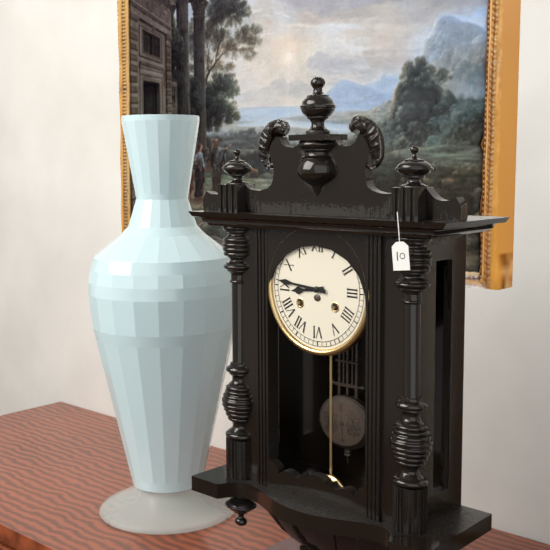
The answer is 8h46
